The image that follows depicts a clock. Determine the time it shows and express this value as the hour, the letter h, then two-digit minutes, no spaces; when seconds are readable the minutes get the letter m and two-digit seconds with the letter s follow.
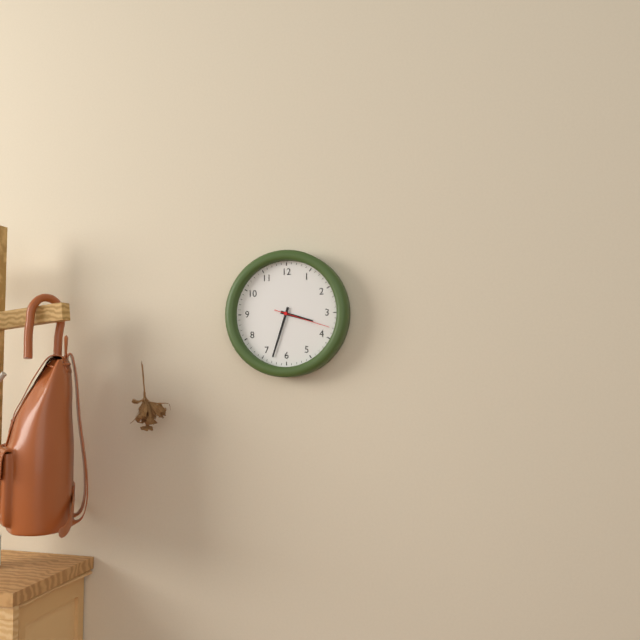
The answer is 3h33m18s
